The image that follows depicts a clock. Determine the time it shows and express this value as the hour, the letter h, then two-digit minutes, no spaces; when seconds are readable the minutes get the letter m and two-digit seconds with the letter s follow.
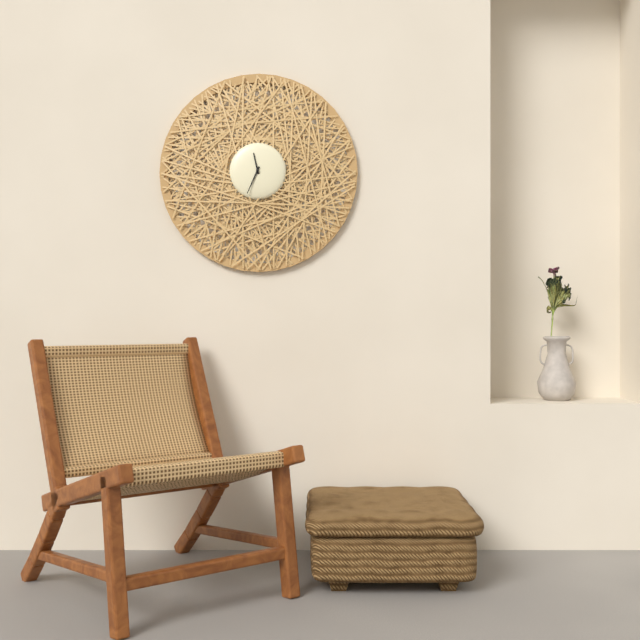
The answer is 11h34
